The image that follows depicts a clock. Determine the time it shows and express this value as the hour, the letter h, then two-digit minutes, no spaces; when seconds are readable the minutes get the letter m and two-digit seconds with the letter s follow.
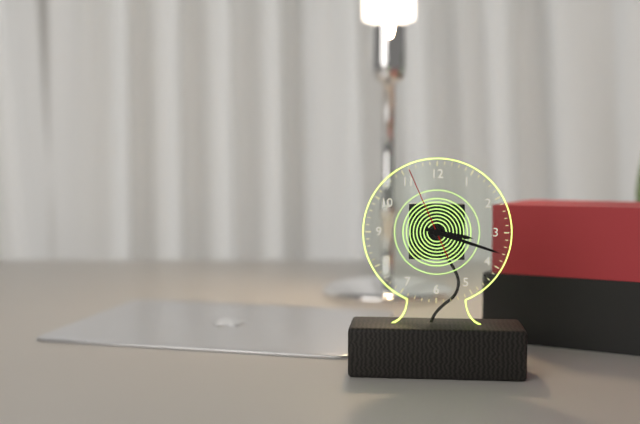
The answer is 3h18m56s
